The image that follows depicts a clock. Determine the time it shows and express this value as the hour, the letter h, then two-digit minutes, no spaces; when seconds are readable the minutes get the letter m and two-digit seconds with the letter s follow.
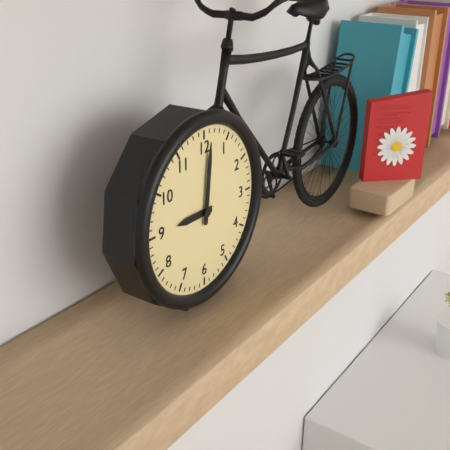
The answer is 9h01
